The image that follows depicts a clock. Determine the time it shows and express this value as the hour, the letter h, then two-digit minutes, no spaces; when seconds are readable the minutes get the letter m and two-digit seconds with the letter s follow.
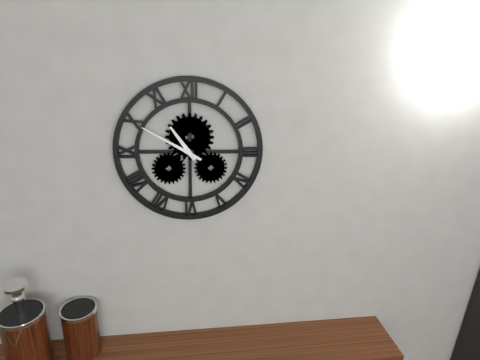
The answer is 10h50
